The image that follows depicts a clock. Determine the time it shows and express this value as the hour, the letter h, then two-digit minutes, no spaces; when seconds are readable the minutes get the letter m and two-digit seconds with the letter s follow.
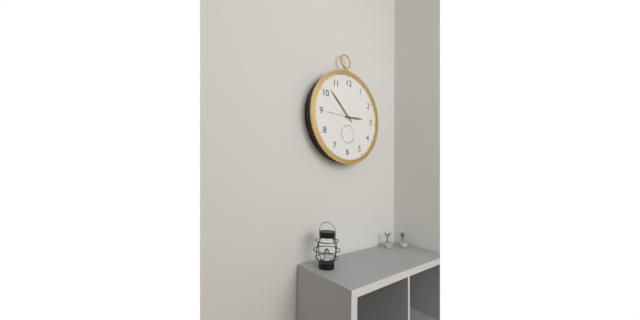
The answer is 2h52
